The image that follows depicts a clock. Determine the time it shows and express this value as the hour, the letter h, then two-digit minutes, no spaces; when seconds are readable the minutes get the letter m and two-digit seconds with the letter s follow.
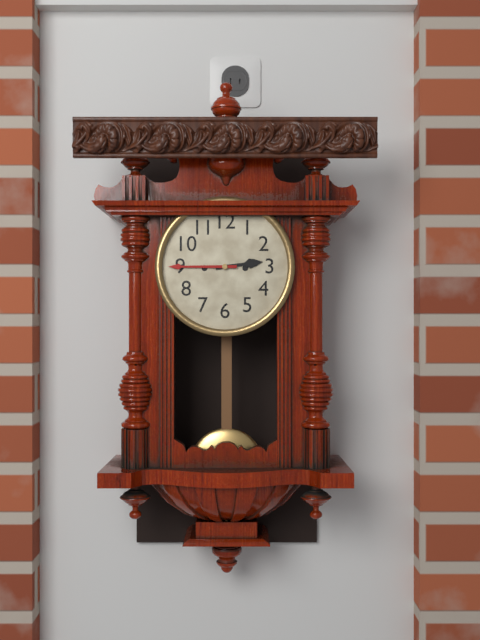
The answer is 2h45
